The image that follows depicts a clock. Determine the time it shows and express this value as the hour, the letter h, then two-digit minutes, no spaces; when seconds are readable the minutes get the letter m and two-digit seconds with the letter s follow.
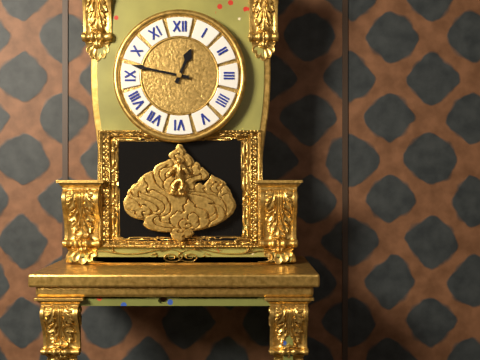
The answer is 12h47
